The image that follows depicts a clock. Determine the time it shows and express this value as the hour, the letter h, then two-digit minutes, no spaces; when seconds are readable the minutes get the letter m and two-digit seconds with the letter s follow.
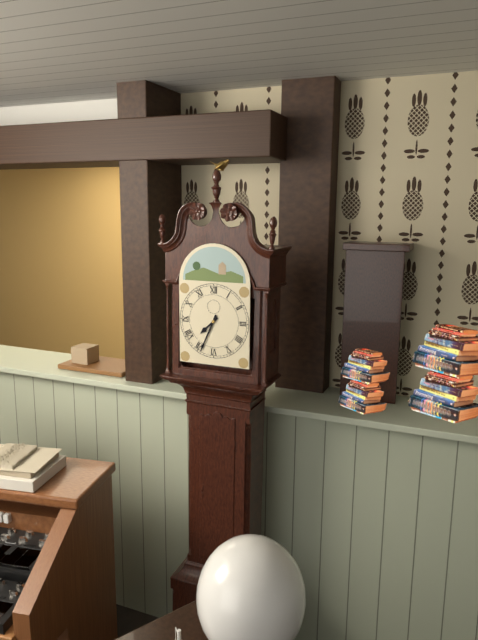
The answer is 7h34
